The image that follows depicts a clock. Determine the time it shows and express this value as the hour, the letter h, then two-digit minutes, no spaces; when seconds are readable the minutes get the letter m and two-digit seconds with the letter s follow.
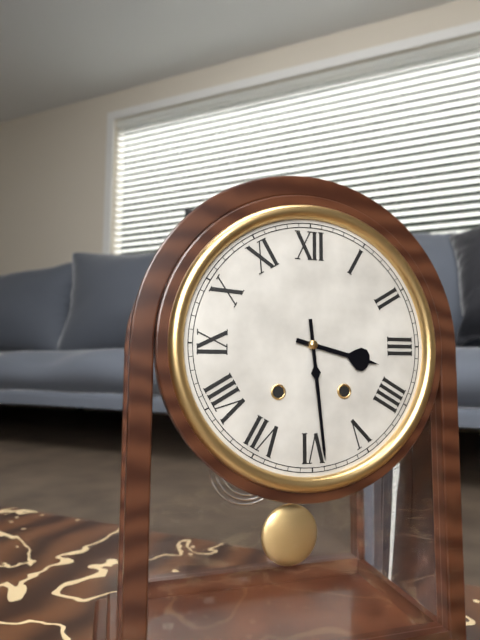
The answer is 3h29
